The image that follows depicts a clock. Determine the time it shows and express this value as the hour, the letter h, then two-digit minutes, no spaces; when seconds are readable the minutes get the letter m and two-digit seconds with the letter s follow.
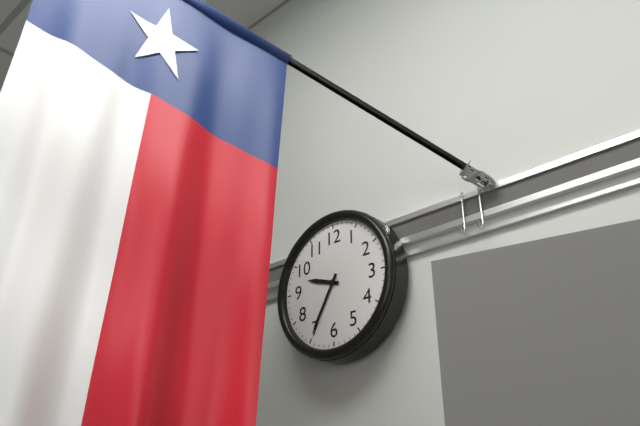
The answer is 9h35
